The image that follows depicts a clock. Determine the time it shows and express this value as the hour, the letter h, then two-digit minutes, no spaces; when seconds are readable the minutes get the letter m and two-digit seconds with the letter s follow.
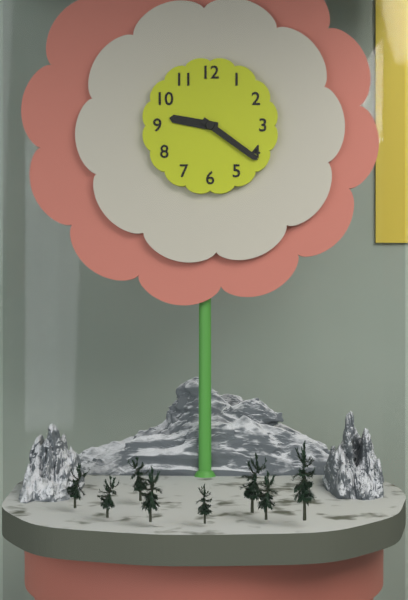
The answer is 9h21
